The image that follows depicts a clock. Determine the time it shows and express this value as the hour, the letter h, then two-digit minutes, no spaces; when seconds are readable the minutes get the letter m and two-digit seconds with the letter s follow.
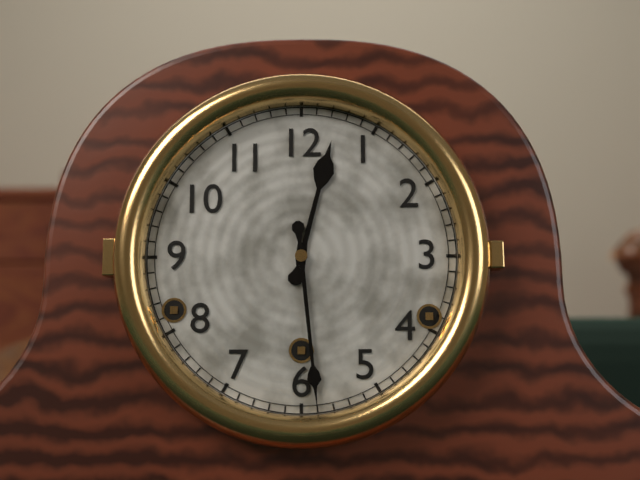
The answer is 12h29
